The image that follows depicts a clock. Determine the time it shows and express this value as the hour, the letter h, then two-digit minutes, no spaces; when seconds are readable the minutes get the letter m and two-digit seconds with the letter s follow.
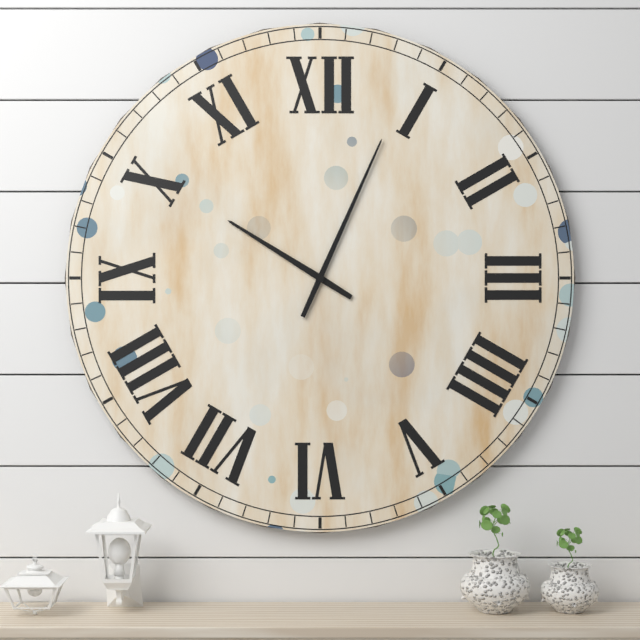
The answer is 10h04
